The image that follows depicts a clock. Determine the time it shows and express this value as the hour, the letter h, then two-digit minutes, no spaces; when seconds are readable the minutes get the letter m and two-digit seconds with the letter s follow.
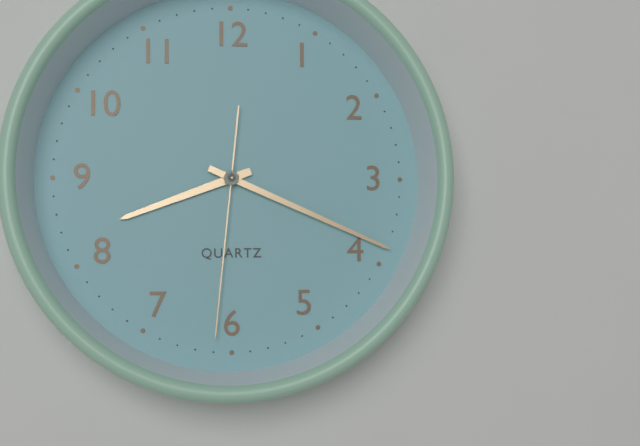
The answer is 8h19m31s
